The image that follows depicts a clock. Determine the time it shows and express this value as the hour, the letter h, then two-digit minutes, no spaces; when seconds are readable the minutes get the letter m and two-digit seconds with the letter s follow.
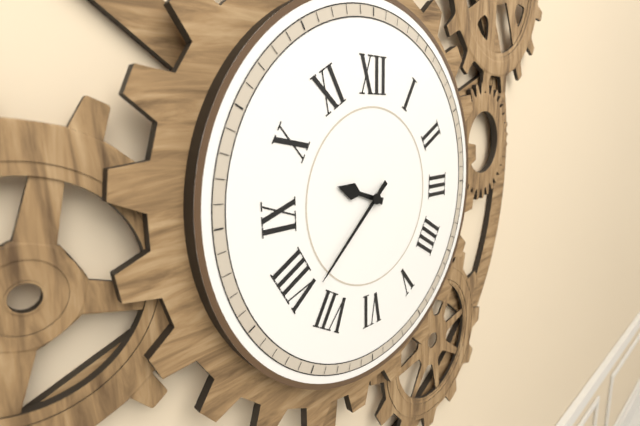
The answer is 9h38
